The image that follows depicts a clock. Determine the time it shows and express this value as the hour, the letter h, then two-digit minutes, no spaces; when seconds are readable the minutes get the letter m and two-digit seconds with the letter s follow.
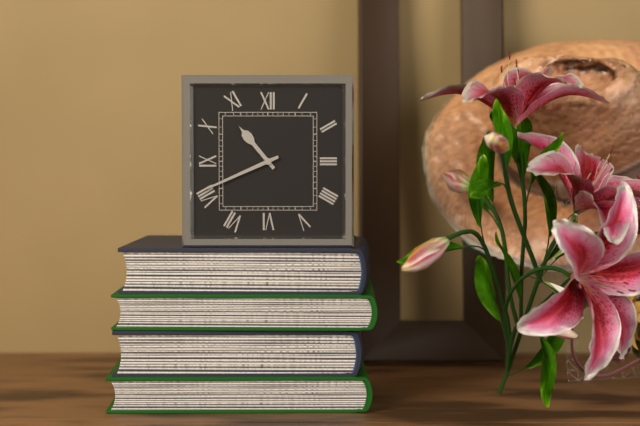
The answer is 10h41
